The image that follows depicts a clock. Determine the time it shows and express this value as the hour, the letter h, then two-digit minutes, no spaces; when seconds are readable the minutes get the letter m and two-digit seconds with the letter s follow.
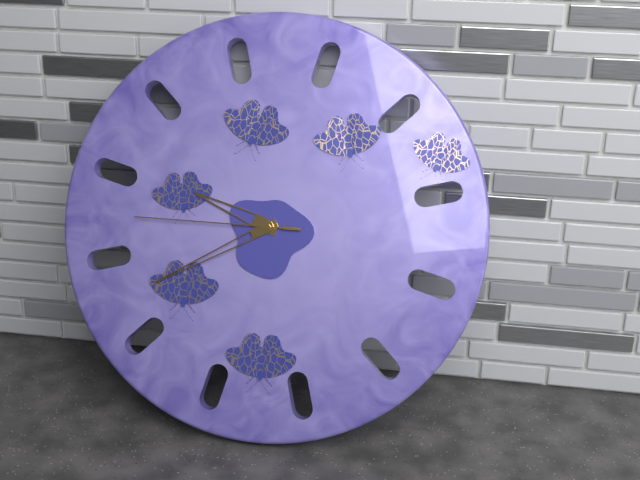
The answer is 9h40m45s
